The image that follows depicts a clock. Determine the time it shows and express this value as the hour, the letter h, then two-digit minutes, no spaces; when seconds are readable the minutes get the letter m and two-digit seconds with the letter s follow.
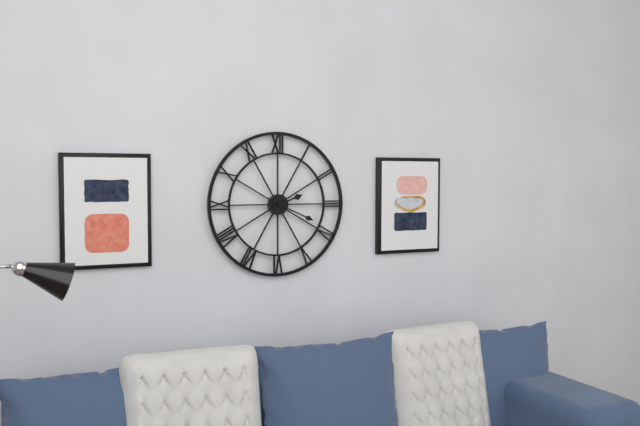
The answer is 2h19
